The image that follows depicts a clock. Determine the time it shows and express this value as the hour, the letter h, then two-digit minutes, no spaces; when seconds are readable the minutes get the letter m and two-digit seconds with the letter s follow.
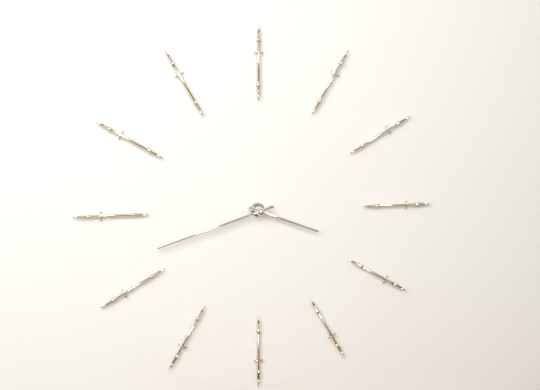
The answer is 3h42
